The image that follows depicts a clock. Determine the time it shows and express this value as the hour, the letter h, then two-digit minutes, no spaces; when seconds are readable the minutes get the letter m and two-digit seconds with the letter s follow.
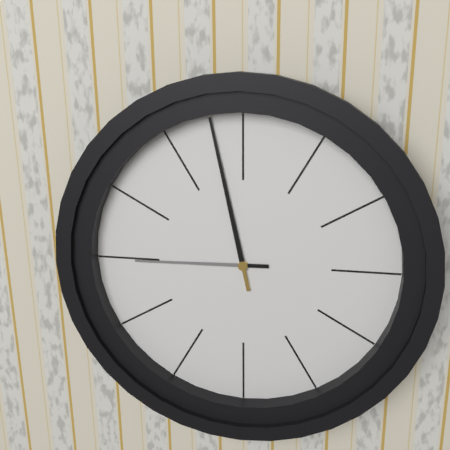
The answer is 8h58
